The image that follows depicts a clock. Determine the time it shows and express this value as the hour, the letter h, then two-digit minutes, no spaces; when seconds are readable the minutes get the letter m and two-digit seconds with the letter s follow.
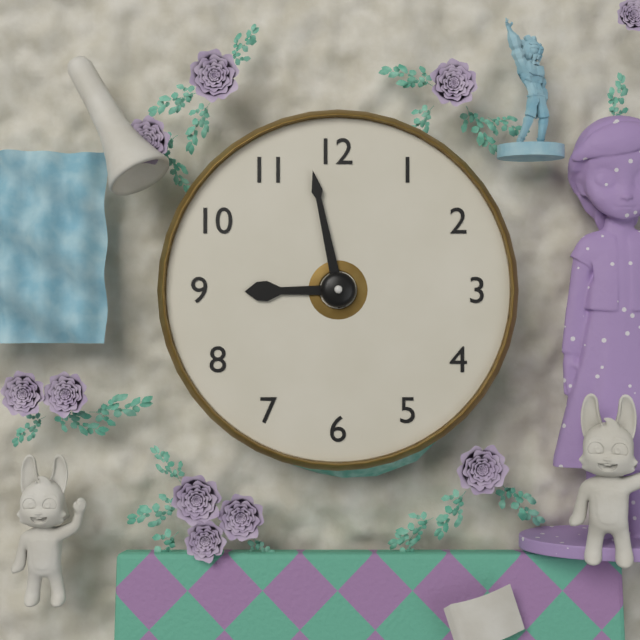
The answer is 8h58
